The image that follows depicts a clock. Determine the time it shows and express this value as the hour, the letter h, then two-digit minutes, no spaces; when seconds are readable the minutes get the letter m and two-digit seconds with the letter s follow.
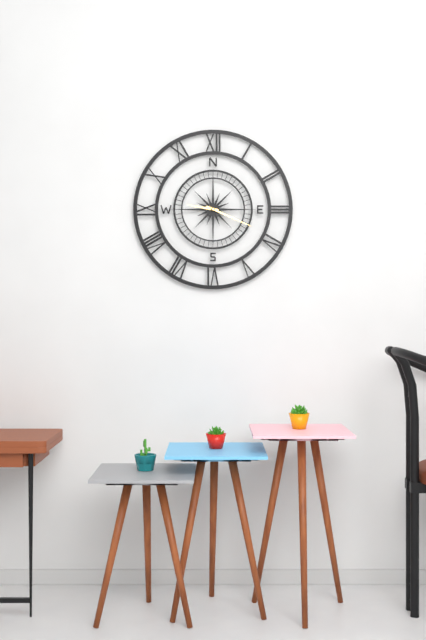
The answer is 9h19
